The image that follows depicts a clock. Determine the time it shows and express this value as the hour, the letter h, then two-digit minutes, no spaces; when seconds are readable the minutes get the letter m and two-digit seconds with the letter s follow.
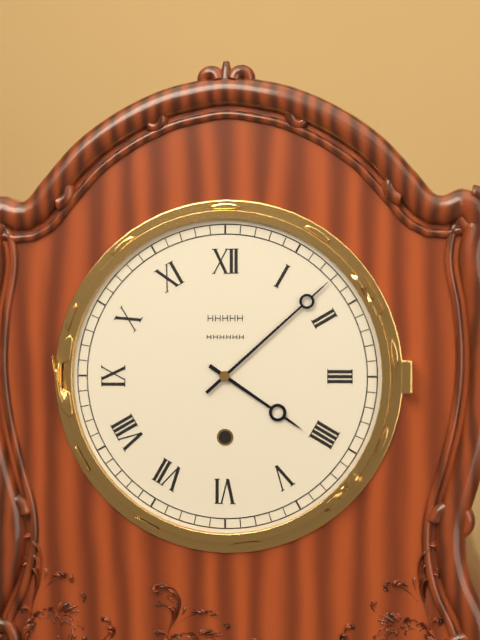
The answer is 4h08
